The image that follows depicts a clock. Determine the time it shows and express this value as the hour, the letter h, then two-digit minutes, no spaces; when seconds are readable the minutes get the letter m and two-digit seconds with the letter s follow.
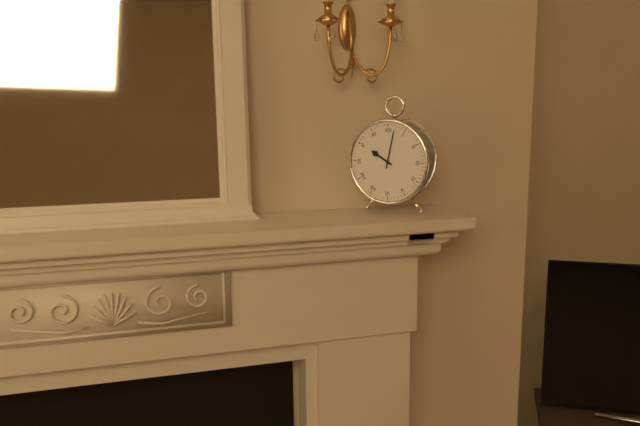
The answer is 10h02
